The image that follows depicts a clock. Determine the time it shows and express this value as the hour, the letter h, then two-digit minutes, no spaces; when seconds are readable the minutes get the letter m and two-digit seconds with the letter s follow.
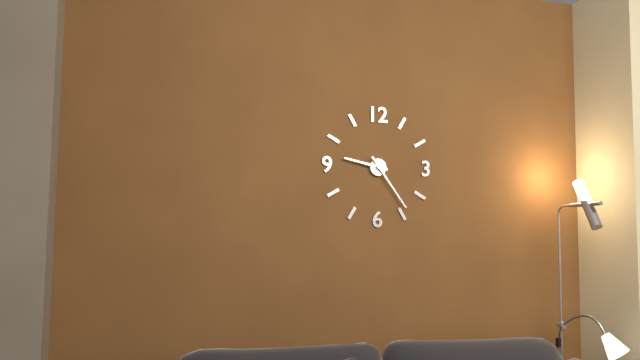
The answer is 9h24
